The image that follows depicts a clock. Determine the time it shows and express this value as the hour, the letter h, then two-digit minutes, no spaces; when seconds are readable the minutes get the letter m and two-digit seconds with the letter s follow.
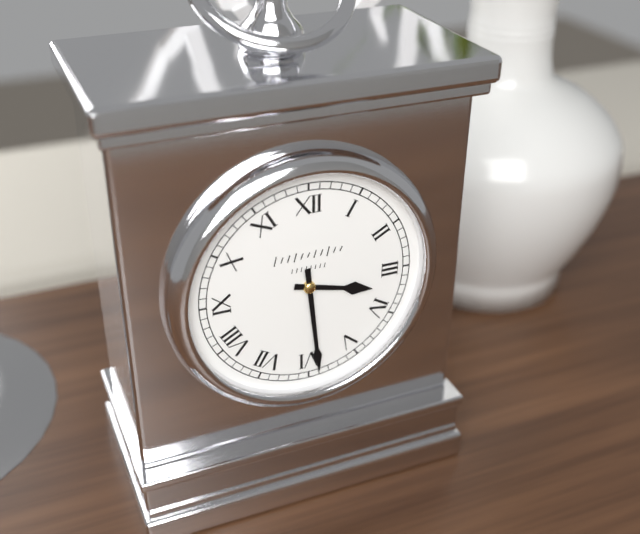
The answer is 3h29
